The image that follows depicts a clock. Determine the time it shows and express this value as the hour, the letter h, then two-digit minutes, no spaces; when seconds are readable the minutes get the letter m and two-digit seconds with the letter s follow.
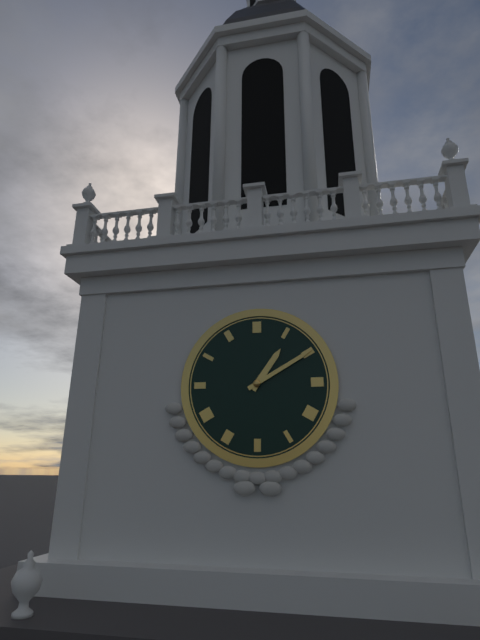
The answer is 1h10
